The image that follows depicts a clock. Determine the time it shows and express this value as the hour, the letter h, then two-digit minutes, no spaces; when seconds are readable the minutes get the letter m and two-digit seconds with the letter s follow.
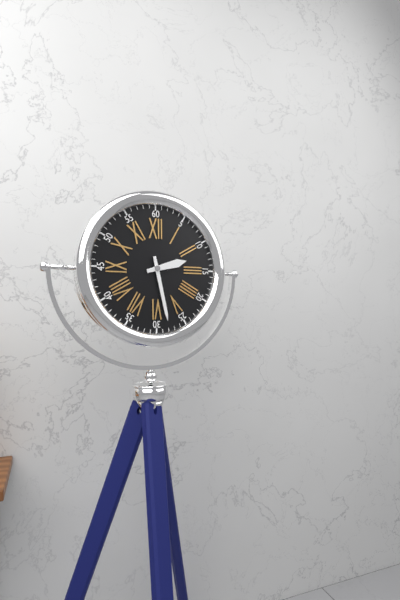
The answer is 2h28
